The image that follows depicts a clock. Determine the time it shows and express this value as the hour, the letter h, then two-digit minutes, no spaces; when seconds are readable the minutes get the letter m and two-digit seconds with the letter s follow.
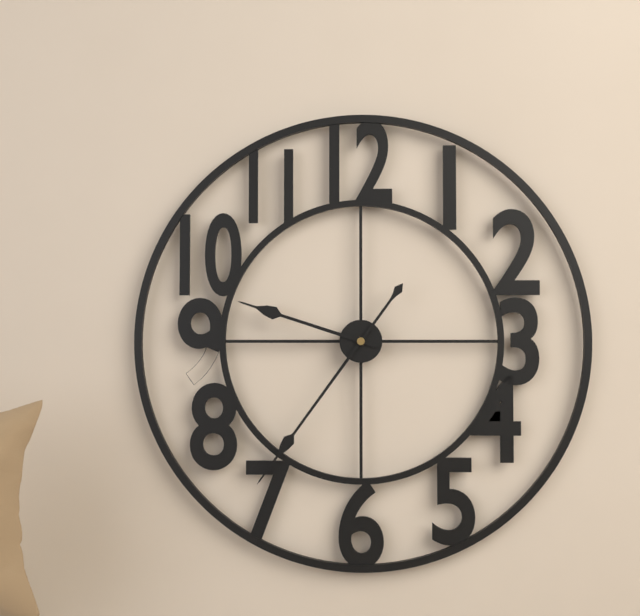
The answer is 9h36
